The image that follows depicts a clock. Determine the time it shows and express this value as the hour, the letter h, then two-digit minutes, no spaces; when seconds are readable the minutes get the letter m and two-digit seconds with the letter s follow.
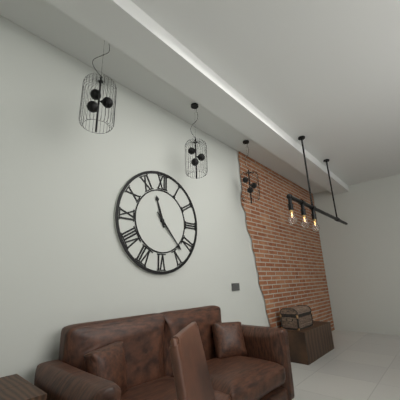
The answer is 11h23
